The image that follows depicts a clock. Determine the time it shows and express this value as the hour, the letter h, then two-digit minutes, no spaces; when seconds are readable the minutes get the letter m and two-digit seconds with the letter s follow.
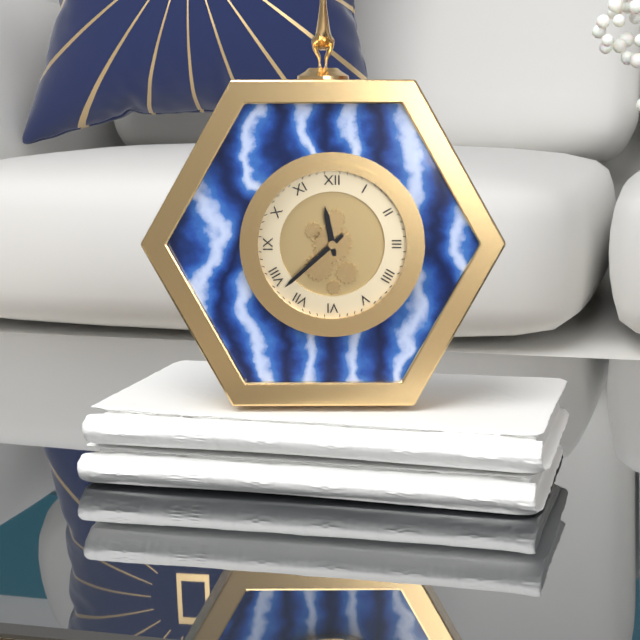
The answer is 11h38
